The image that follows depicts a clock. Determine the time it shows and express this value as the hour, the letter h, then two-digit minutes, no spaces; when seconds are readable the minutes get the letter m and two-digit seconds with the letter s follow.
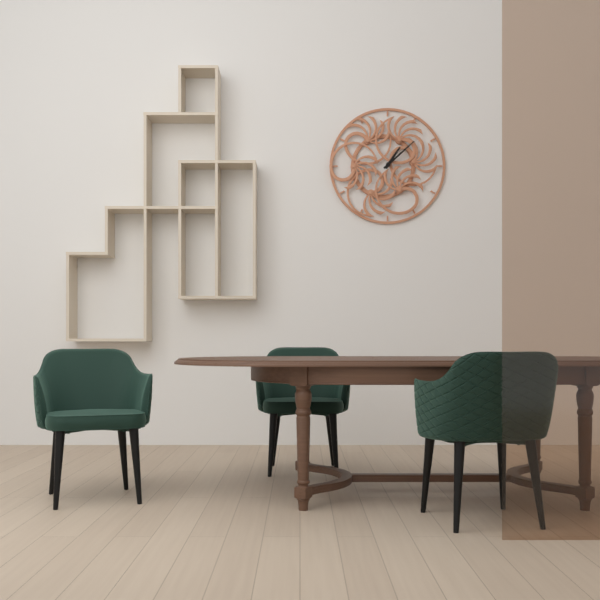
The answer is 1h08
